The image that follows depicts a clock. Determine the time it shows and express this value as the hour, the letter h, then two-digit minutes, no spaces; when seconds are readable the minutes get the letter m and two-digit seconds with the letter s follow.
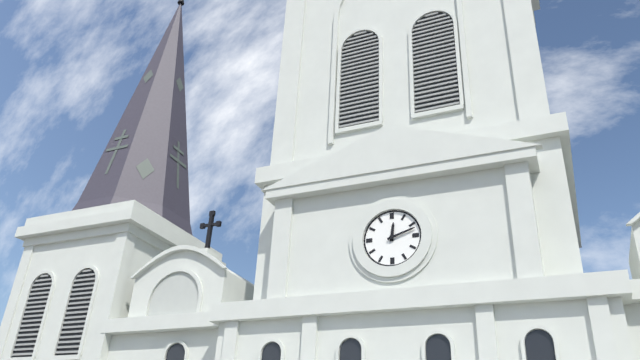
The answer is 12h12
